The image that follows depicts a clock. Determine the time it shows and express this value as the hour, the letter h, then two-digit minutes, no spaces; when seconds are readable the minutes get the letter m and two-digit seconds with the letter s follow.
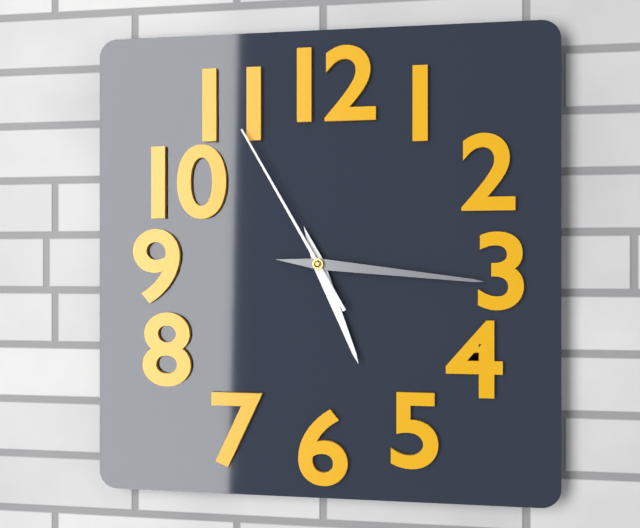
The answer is 5h16m55s
